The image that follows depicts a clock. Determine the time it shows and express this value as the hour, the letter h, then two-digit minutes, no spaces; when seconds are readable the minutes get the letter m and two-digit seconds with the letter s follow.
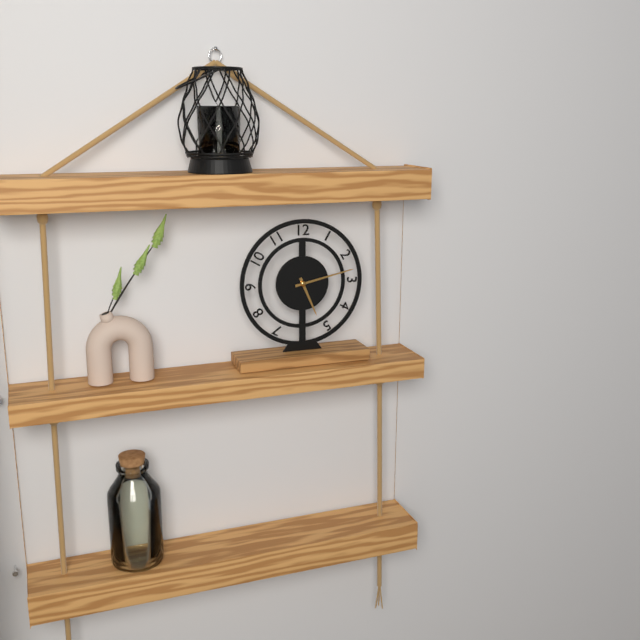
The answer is 5h13
